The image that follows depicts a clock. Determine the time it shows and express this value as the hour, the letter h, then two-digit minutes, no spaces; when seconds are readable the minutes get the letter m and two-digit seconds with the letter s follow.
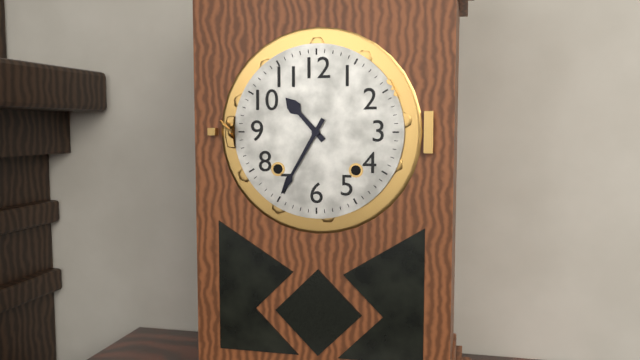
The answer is 10h35
